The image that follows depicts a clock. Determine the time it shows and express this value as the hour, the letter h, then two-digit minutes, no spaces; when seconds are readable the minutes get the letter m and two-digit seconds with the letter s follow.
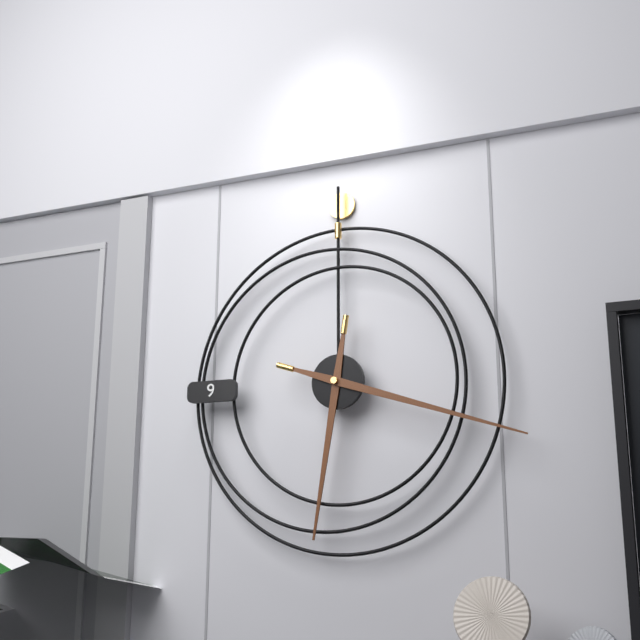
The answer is 6h18
